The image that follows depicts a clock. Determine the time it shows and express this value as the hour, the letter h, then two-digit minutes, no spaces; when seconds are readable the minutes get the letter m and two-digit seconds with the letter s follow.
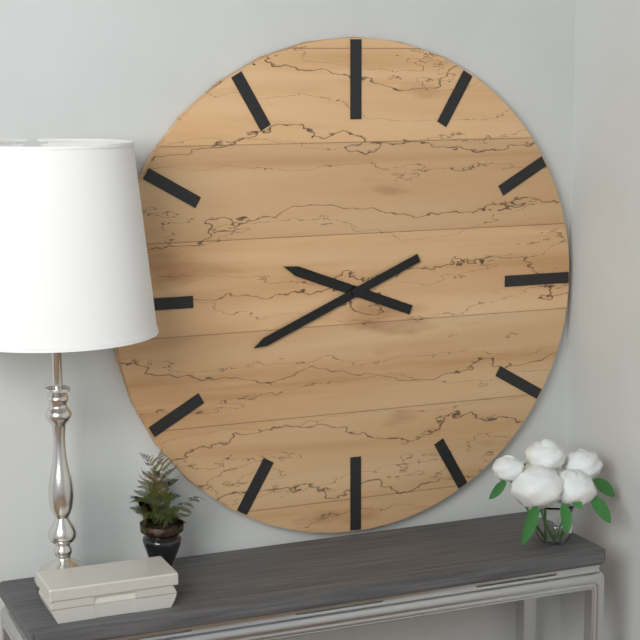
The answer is 9h41
